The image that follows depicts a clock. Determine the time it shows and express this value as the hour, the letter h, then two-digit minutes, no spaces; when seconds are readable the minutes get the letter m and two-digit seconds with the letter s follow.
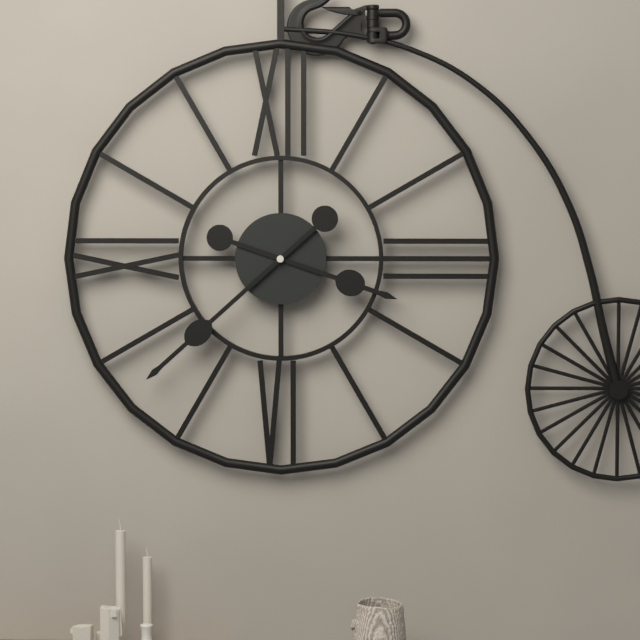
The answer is 3h38
